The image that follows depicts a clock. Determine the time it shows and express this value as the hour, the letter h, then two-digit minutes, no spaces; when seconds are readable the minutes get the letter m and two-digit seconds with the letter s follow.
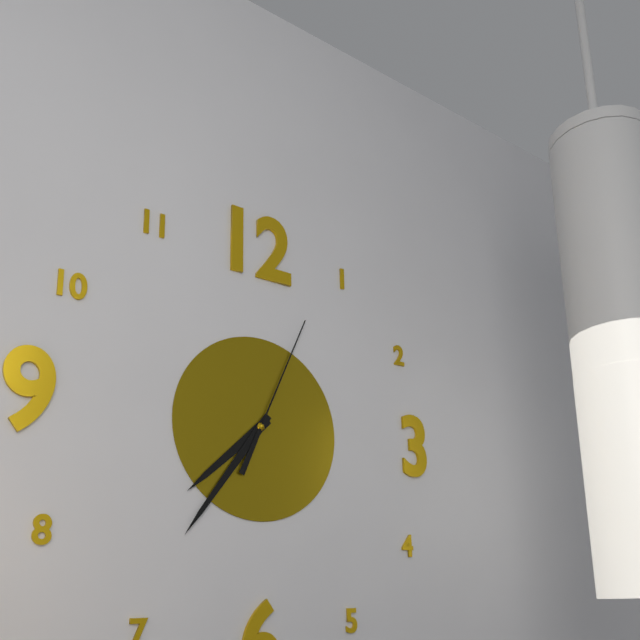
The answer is 7h36m04s
